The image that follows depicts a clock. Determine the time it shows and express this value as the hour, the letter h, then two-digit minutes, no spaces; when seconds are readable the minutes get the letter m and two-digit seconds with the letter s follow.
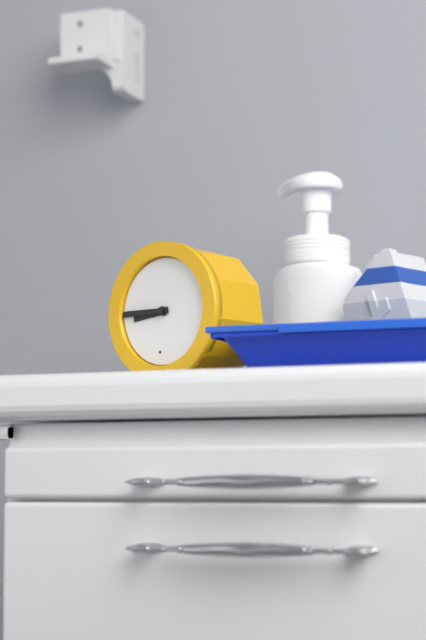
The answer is 8h45
